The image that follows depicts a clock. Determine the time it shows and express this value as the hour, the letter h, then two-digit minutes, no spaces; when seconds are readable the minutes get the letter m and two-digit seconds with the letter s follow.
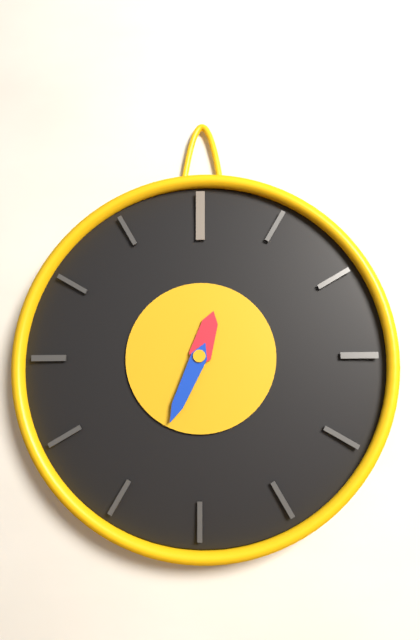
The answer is 12h34
